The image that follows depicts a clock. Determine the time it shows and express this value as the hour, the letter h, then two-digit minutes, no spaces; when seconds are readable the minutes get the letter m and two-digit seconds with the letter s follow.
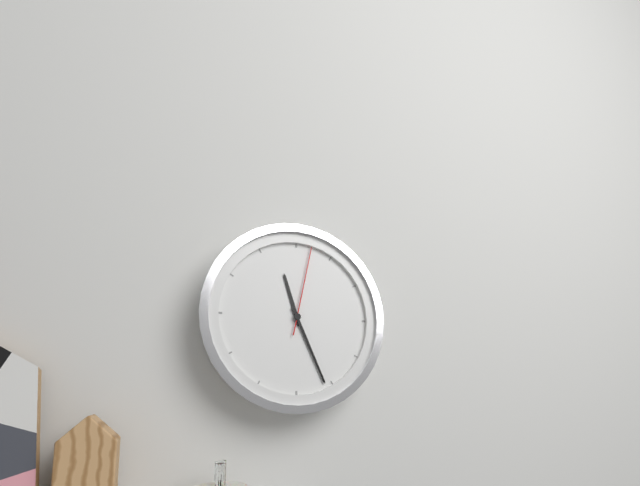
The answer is 11h26m02s
